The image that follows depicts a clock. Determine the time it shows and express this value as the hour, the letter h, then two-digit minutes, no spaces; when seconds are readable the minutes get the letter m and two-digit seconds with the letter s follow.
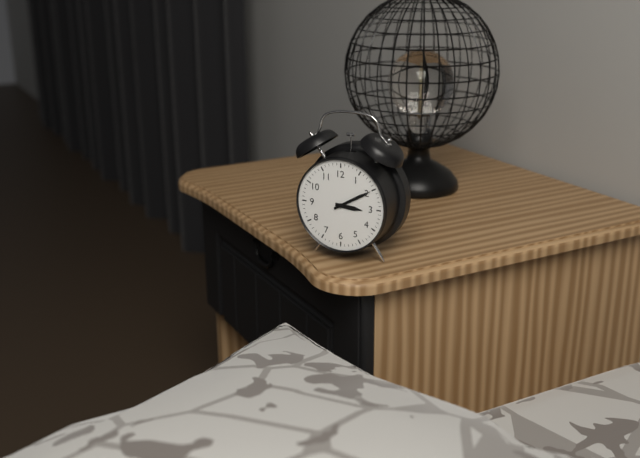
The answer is 3h10
